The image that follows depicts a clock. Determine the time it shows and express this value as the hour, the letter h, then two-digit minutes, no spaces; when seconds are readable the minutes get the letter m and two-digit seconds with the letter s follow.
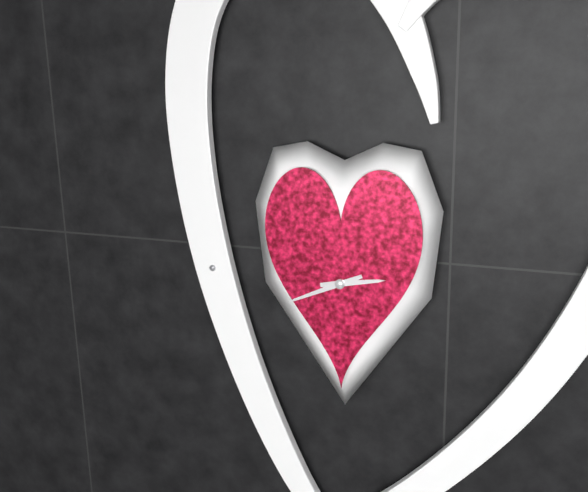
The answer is 2h41
